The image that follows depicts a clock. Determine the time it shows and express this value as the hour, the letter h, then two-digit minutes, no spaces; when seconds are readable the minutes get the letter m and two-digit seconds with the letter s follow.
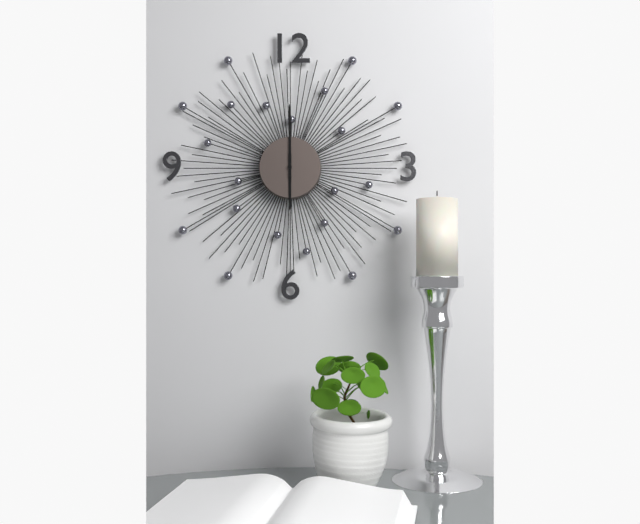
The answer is 6h00
